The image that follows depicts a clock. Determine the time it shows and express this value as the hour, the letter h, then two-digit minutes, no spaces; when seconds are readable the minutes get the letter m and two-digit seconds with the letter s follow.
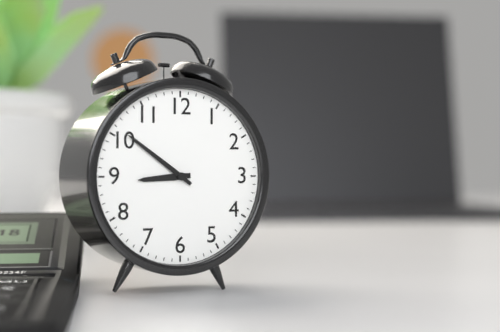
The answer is 8h51
